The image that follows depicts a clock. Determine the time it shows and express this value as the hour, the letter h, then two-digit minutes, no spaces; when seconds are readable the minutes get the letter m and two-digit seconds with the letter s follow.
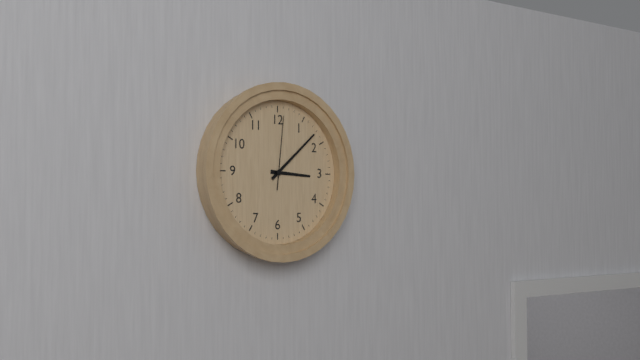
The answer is 3h08m01s
